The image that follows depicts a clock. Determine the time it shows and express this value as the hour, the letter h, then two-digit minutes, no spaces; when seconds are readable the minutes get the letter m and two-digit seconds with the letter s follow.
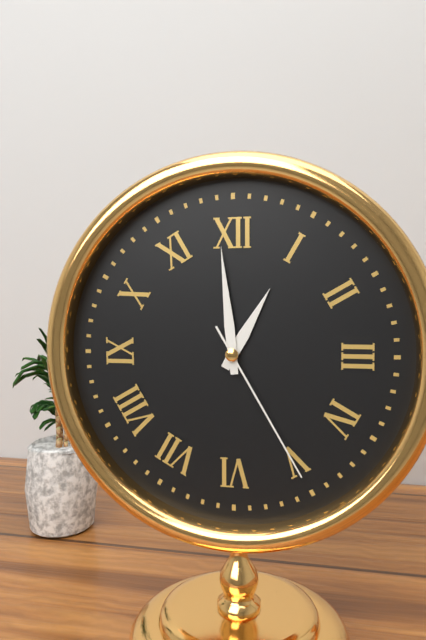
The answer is 12h59m25s
